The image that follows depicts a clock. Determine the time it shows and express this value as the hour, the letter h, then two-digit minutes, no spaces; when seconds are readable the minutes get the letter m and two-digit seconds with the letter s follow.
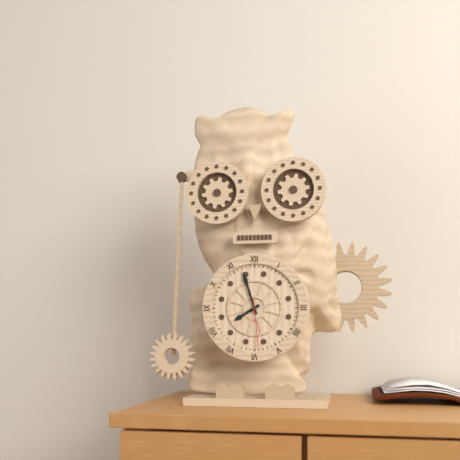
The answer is 7h57m29s
